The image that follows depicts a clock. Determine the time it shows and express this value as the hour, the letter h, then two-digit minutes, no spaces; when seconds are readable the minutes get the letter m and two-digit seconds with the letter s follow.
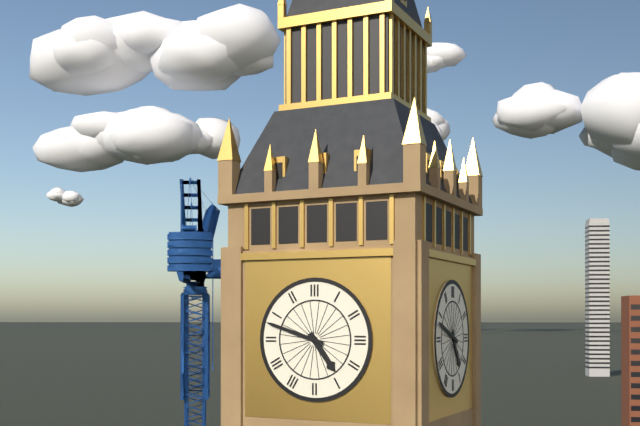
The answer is 4h48
